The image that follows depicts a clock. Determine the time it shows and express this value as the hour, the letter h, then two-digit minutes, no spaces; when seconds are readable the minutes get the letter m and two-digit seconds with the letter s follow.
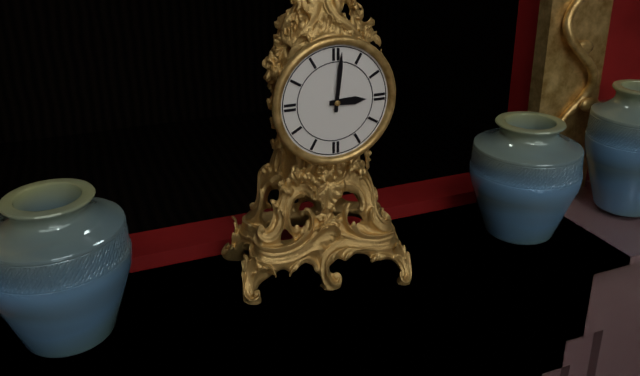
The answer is 3h01
